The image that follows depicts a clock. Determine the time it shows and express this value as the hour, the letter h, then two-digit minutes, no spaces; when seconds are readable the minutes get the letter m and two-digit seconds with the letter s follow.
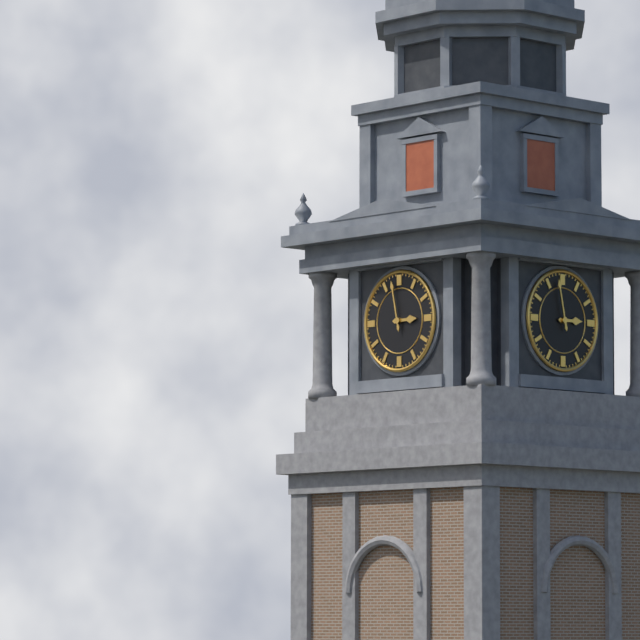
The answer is 2h58
